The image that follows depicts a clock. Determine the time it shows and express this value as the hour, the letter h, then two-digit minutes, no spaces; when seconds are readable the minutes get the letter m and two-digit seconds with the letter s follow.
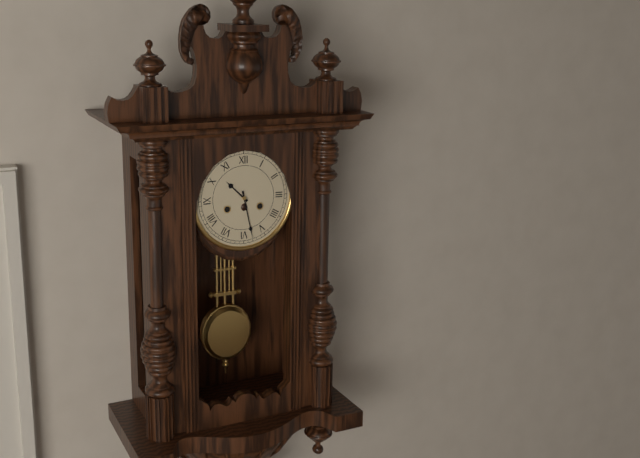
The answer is 10h28
